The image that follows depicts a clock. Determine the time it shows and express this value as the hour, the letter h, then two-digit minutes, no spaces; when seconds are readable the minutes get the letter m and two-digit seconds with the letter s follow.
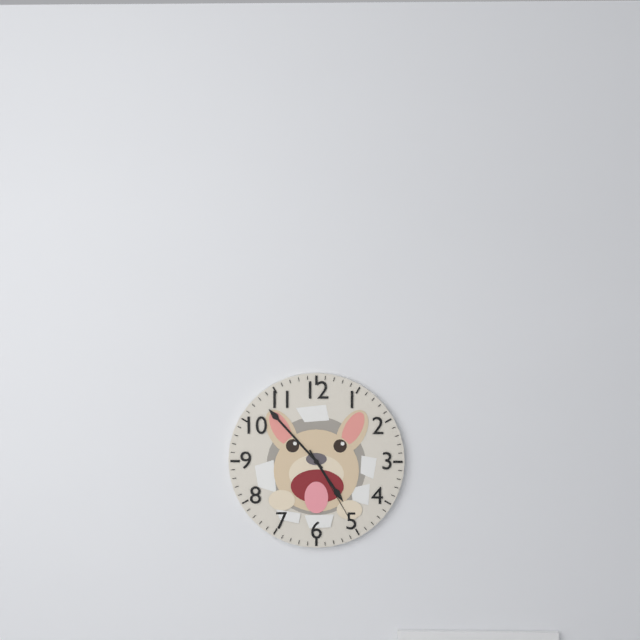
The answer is 4h53m25s
